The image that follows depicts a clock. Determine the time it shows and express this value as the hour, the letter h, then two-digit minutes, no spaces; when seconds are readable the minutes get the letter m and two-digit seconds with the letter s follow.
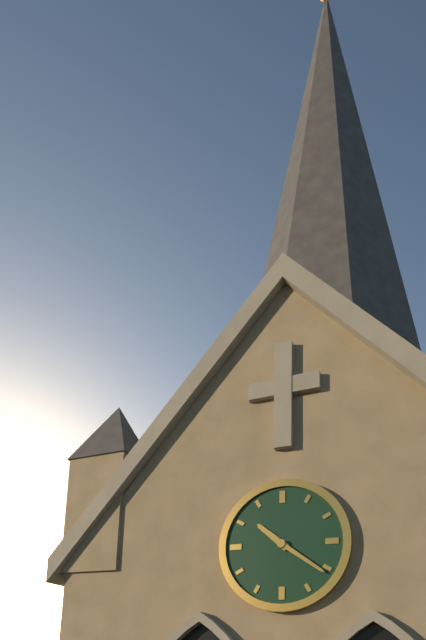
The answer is 10h21
